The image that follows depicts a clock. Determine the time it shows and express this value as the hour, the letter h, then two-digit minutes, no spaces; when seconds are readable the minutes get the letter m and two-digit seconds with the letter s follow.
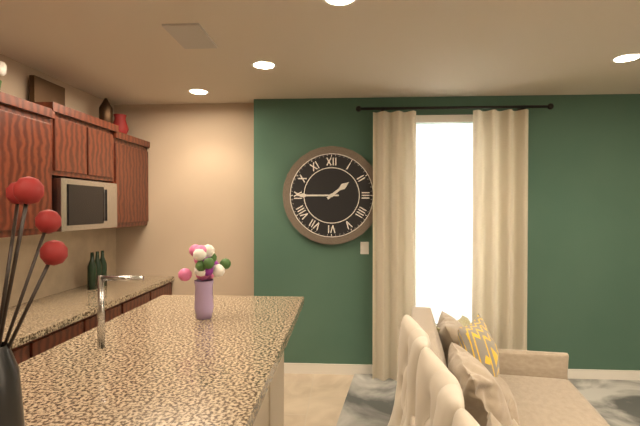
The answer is 1h45
